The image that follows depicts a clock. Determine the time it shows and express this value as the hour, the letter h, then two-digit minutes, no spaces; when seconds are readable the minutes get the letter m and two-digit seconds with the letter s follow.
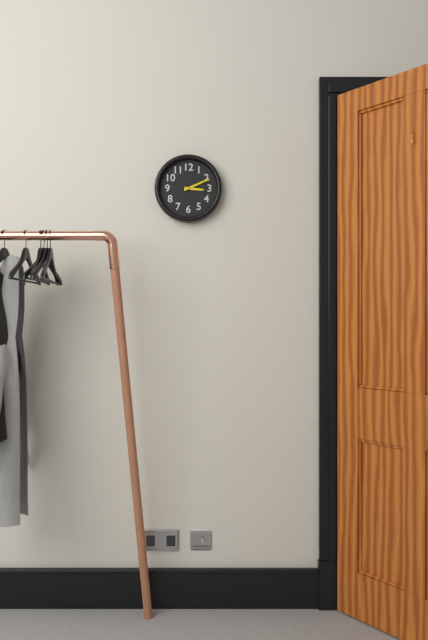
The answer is 3h11
